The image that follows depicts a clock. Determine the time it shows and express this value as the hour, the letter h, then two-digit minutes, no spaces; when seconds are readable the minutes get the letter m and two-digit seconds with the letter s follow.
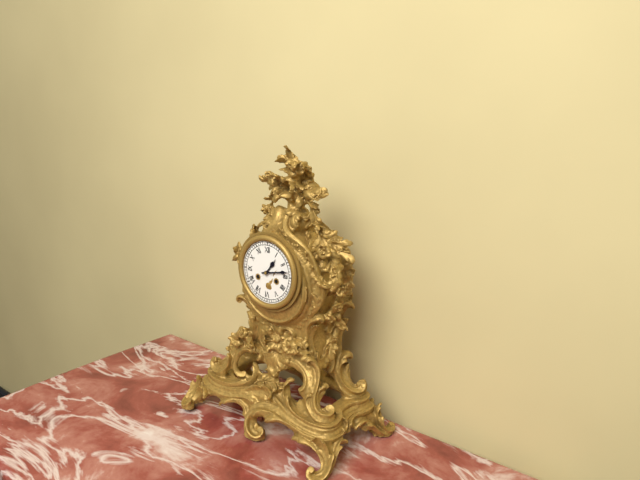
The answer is 1h13
